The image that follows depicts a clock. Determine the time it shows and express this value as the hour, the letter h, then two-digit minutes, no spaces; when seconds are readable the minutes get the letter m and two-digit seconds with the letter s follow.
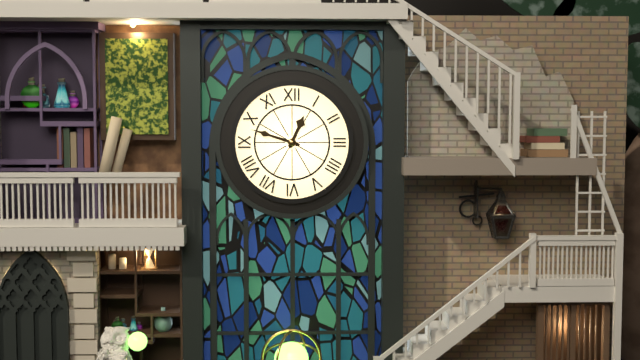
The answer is 12h48
